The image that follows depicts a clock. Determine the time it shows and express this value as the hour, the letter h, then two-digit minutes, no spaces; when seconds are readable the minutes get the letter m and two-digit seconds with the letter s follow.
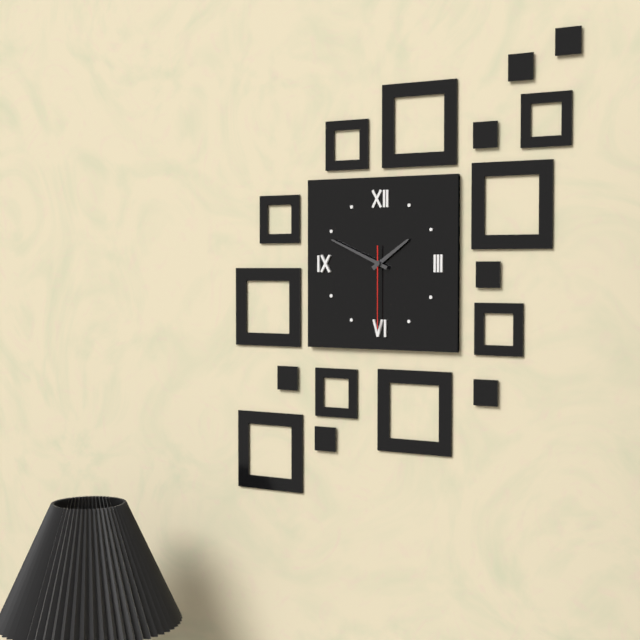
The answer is 1h49m30s
